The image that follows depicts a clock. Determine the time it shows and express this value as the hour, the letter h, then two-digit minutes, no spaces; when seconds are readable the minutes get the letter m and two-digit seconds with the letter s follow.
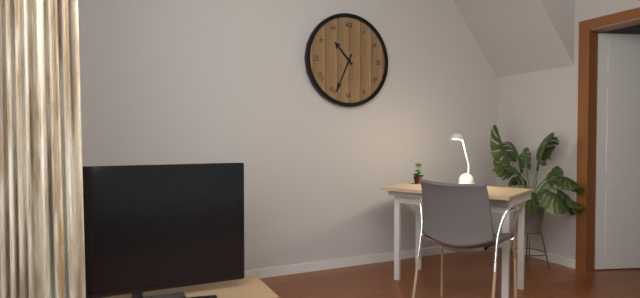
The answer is 10h34
